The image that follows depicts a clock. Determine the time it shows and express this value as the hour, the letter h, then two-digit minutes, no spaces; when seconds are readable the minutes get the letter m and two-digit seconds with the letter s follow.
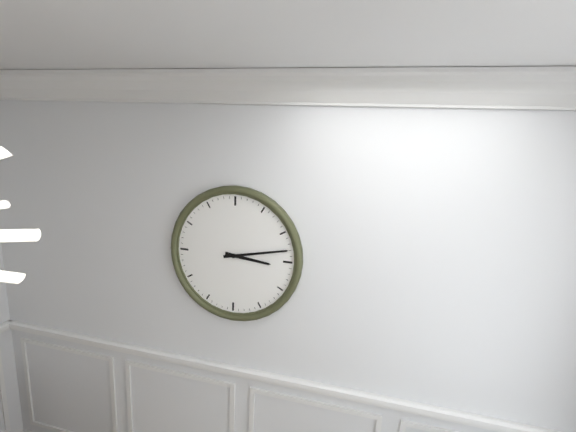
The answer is 3h13
